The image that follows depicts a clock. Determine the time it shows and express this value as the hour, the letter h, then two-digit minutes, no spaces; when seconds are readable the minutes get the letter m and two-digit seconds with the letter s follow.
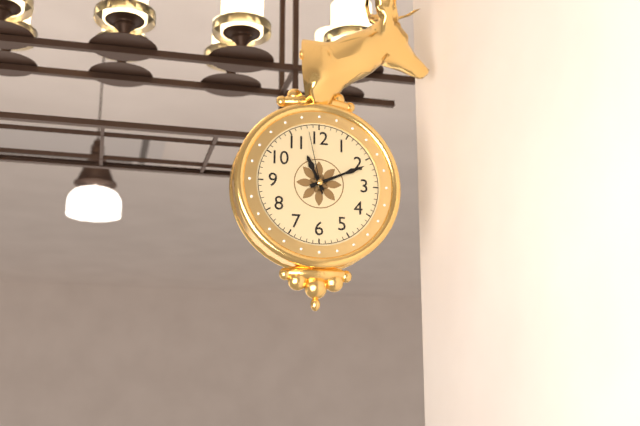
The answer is 11h11m58s
